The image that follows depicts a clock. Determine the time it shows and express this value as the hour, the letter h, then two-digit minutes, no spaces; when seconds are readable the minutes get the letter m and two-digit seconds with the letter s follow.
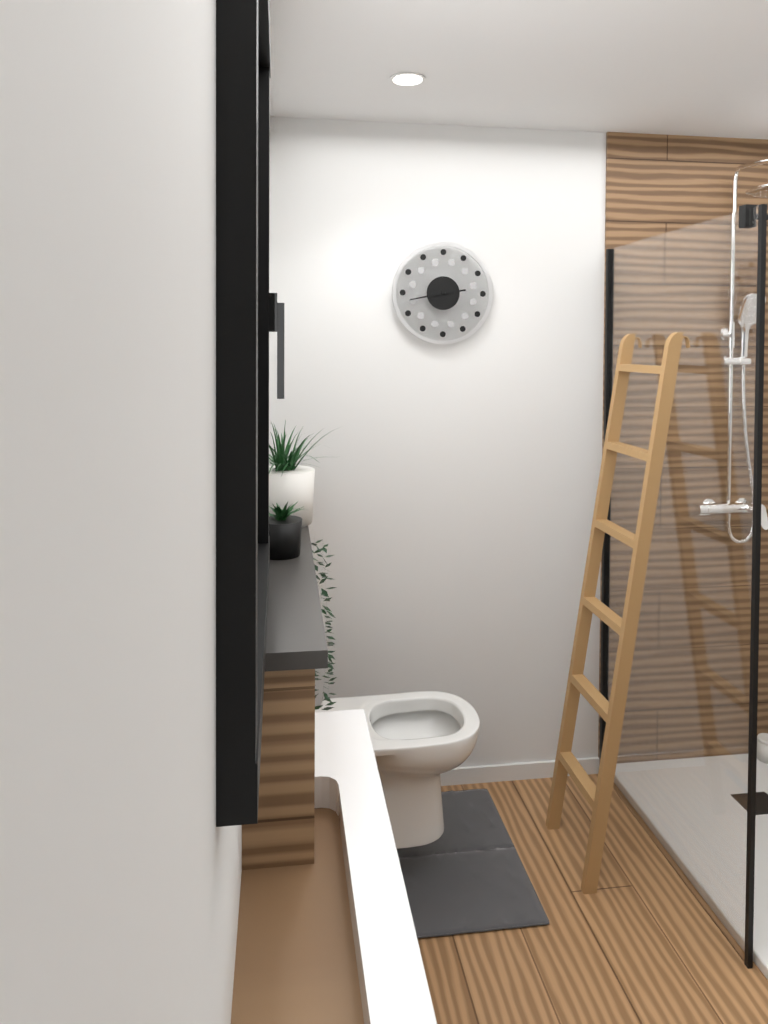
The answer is 2h43
